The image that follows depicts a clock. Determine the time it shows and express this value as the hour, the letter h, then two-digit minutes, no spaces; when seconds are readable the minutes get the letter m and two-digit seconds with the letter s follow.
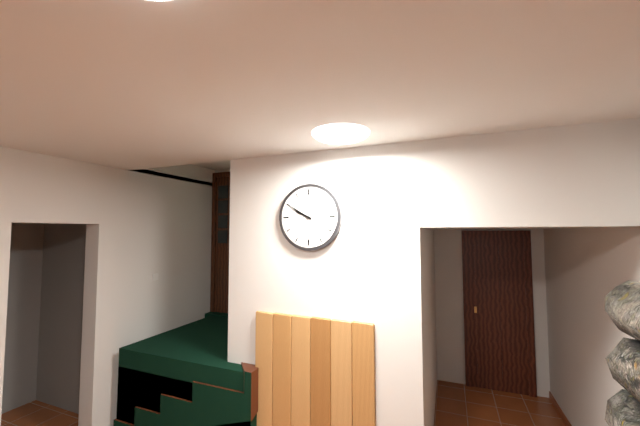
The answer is 9h50
